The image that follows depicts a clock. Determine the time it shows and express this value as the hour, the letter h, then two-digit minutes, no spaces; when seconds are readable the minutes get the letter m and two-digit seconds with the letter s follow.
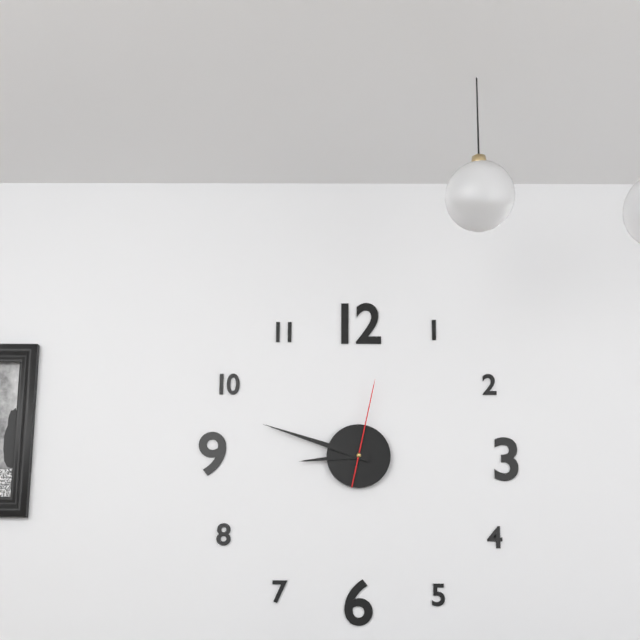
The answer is 8h48m02s
